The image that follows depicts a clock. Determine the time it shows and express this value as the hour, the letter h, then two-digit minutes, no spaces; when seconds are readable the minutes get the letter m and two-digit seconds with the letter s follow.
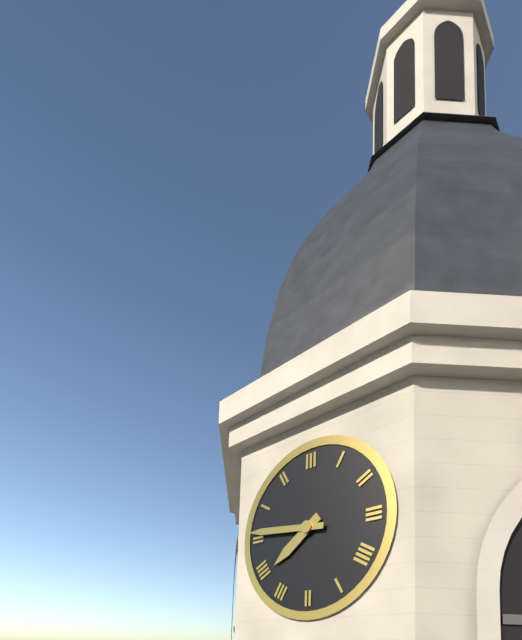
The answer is 7h46
